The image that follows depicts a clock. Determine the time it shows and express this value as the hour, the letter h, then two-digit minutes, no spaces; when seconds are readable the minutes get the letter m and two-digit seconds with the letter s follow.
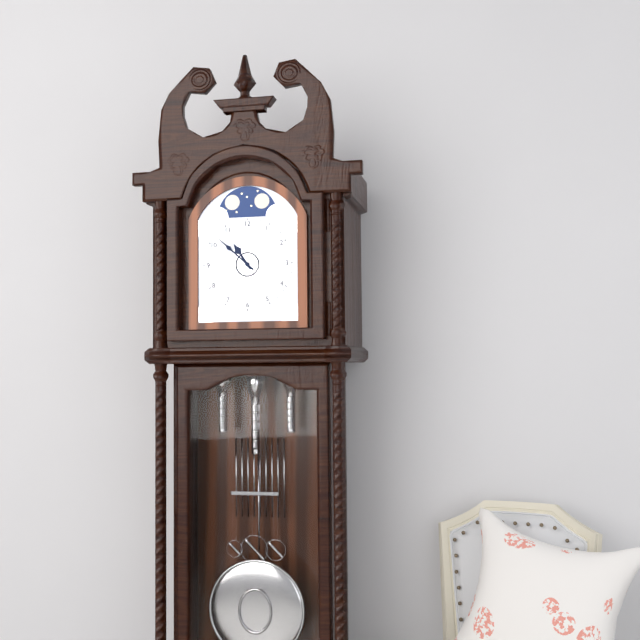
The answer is 10h52
